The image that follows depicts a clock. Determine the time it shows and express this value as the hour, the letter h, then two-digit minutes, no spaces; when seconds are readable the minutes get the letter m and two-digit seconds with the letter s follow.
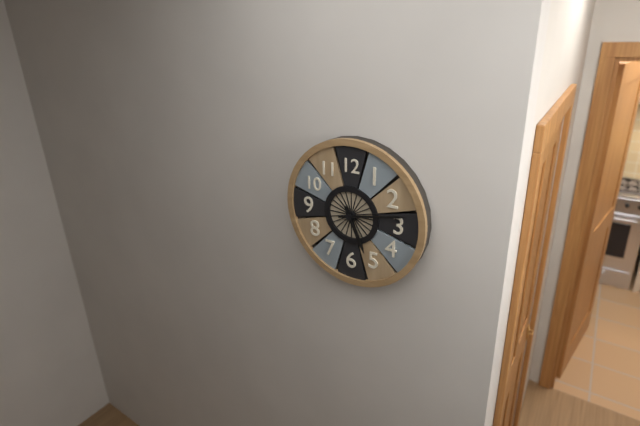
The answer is 5h13
